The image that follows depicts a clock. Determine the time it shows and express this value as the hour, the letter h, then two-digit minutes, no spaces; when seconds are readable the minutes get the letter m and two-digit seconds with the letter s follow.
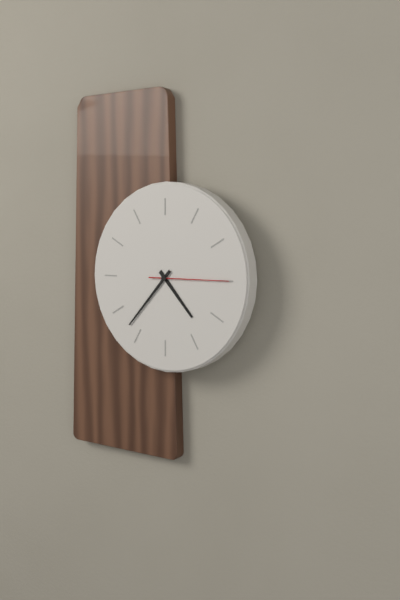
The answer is 4h37m15s
